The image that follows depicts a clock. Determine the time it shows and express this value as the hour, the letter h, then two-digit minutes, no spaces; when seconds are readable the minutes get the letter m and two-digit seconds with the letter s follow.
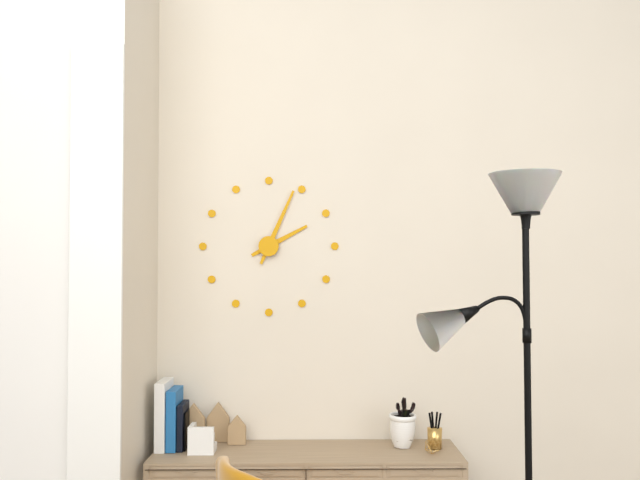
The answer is 2h04
